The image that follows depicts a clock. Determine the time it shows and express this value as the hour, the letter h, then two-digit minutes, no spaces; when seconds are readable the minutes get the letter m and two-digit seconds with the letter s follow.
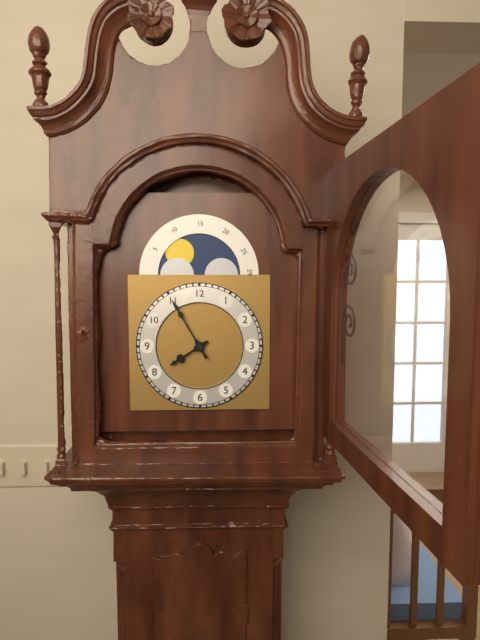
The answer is 7h55
